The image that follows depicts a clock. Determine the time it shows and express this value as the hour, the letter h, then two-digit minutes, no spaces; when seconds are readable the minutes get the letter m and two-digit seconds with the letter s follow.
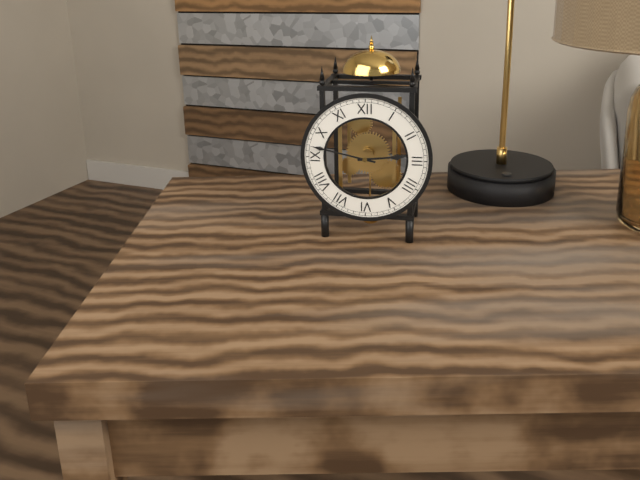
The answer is 2h47
